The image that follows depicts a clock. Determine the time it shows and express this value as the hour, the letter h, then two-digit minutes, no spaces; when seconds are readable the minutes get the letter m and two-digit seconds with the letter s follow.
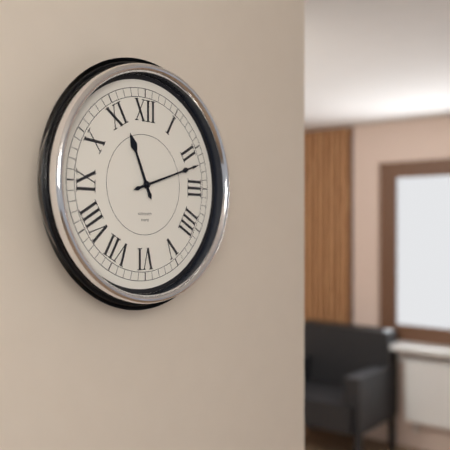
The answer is 11h12
